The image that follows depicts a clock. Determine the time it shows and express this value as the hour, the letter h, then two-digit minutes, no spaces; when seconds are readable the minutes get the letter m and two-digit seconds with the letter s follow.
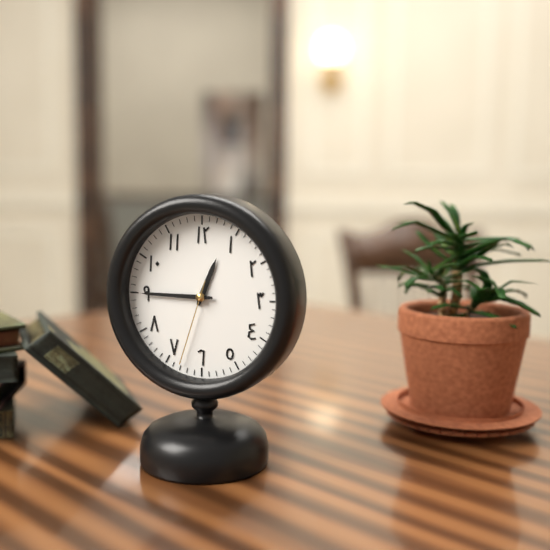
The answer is 12h45m33s
